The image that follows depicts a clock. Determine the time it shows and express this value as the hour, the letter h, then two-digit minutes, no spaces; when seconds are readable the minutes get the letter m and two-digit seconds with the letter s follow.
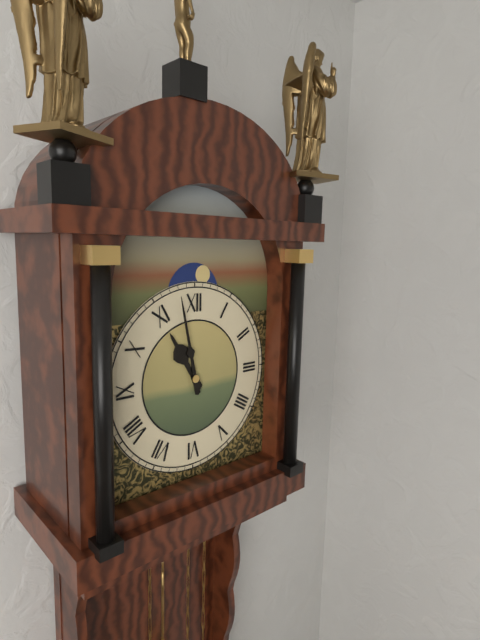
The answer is 10h58
